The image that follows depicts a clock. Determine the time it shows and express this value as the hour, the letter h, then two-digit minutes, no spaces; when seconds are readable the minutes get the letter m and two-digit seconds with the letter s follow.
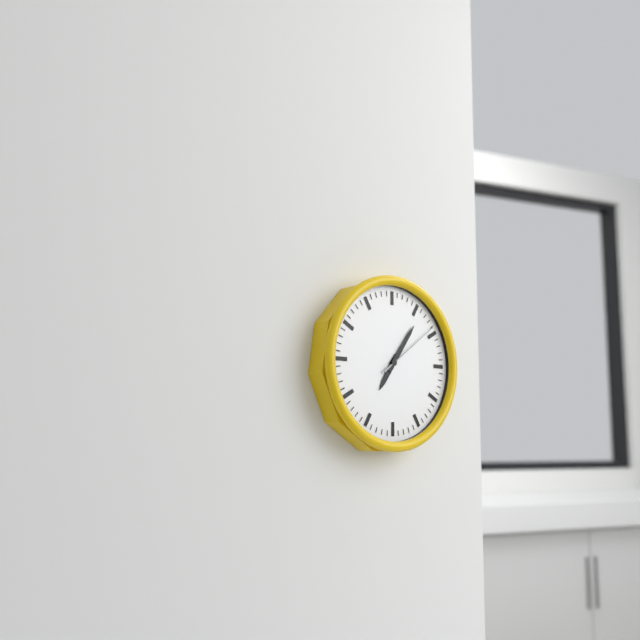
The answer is 7h06m09s
